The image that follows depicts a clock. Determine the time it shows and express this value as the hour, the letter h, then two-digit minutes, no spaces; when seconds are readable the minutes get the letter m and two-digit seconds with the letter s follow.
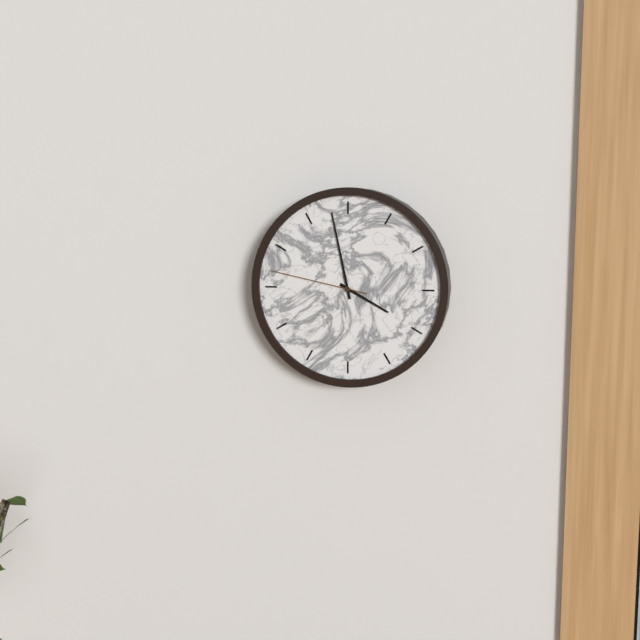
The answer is 3h58m47s
